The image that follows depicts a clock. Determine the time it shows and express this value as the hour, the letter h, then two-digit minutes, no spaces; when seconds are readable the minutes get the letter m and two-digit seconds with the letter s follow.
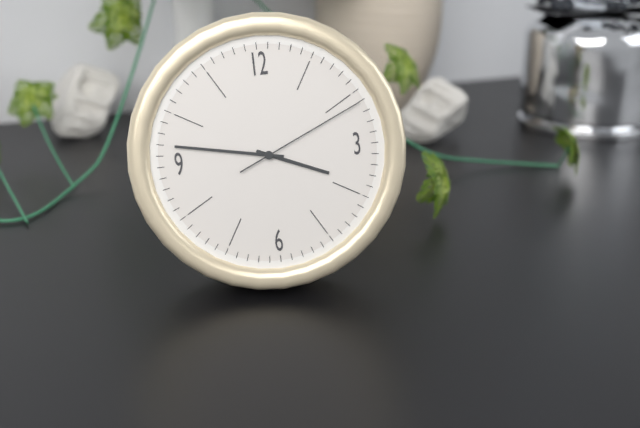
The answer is 3h47m11s
